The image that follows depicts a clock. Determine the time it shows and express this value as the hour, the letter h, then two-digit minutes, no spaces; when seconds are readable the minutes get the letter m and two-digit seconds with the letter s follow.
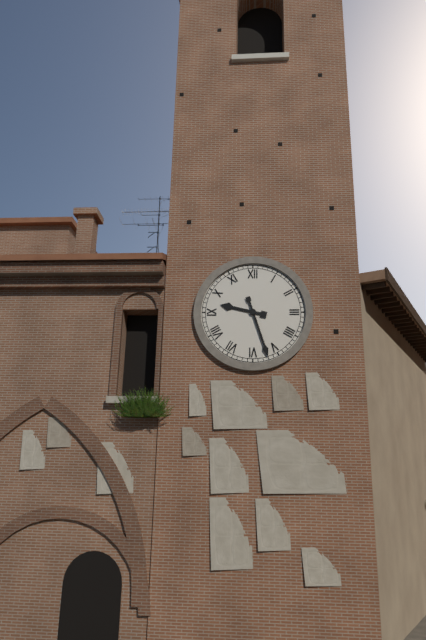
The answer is 9h27
